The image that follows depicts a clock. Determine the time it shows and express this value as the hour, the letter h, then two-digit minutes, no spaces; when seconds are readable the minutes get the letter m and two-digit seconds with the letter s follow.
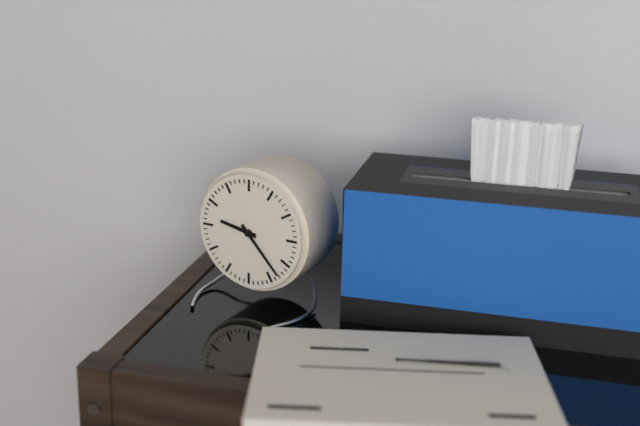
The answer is 9h23
